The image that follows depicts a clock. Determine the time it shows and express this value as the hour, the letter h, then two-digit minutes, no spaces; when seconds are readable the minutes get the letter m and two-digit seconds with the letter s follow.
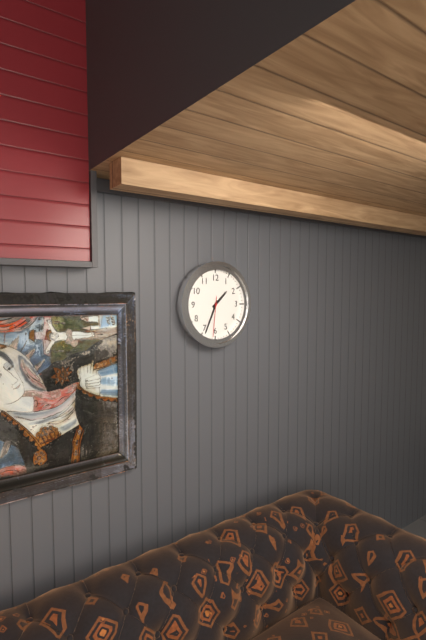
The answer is 1h34
